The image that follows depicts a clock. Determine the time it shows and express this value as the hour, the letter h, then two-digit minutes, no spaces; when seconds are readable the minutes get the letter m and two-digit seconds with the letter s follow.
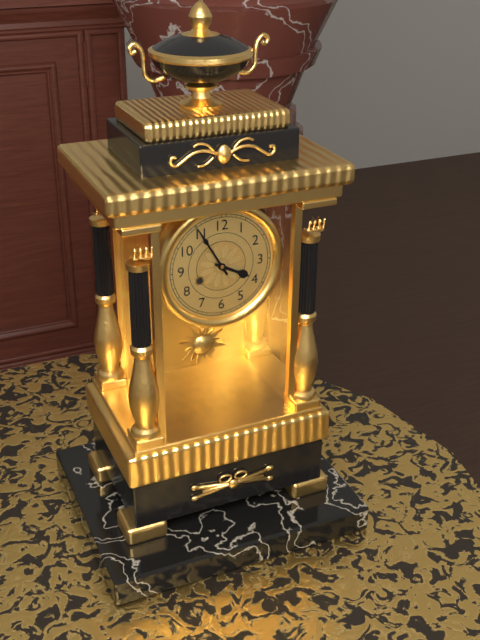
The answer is 3h55
